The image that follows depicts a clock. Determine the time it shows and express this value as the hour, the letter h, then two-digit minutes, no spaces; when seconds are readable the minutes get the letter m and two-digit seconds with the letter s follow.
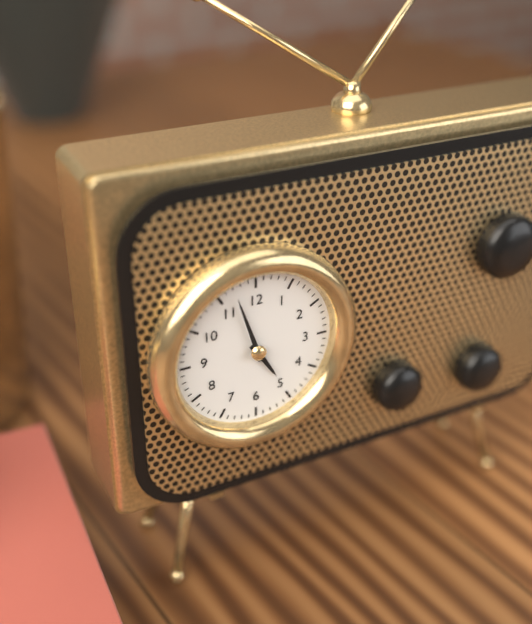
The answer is 4h57
